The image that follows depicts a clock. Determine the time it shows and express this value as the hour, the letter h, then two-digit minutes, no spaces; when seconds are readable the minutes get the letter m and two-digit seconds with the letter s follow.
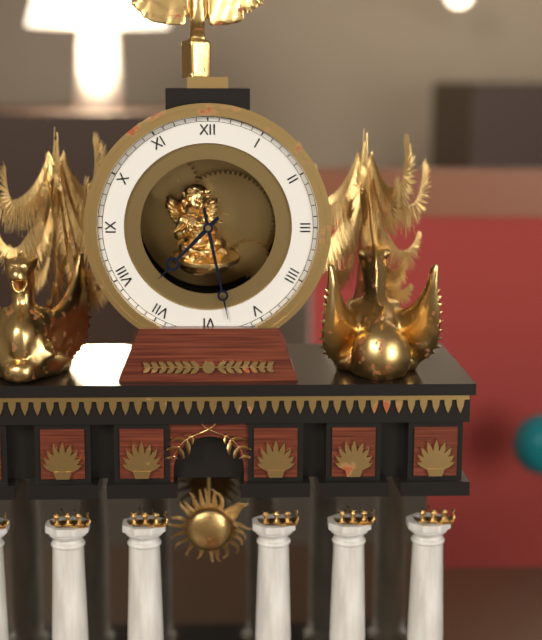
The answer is 7h28
